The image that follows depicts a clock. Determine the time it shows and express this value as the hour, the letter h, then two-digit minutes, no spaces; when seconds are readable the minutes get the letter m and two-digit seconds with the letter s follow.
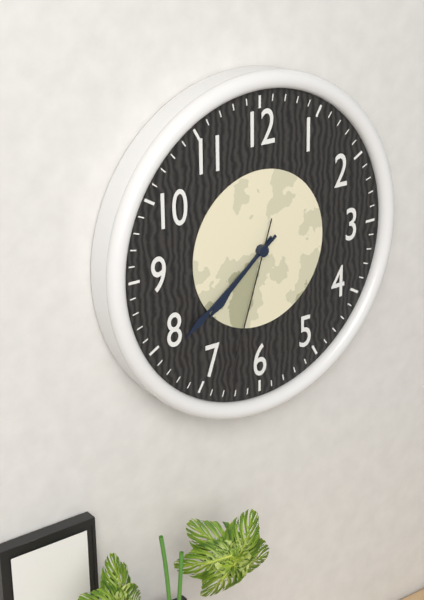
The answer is 7h39m33s
